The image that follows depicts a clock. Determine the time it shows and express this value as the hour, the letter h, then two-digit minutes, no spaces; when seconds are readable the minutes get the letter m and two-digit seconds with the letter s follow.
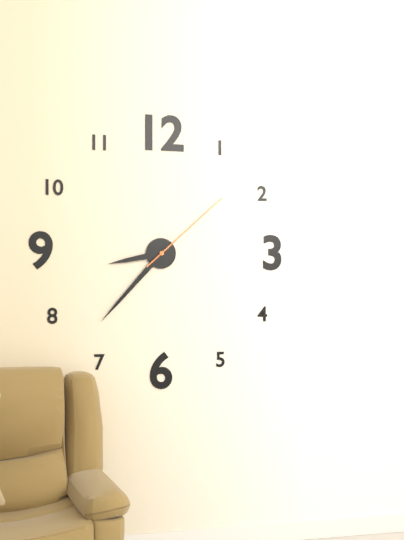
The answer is 8h37m08s
